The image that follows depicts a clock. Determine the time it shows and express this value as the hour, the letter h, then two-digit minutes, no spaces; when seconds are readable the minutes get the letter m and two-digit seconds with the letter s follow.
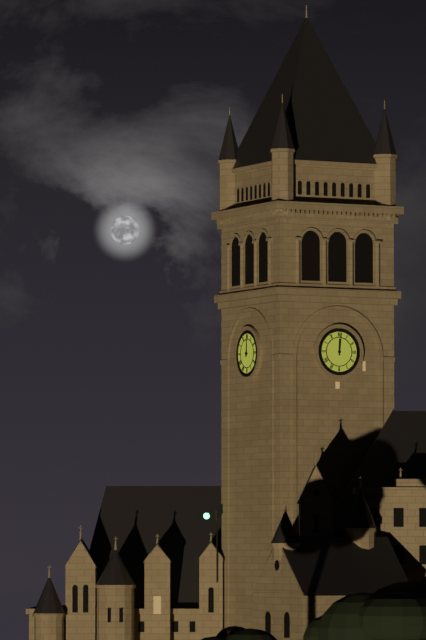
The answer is 12h01
